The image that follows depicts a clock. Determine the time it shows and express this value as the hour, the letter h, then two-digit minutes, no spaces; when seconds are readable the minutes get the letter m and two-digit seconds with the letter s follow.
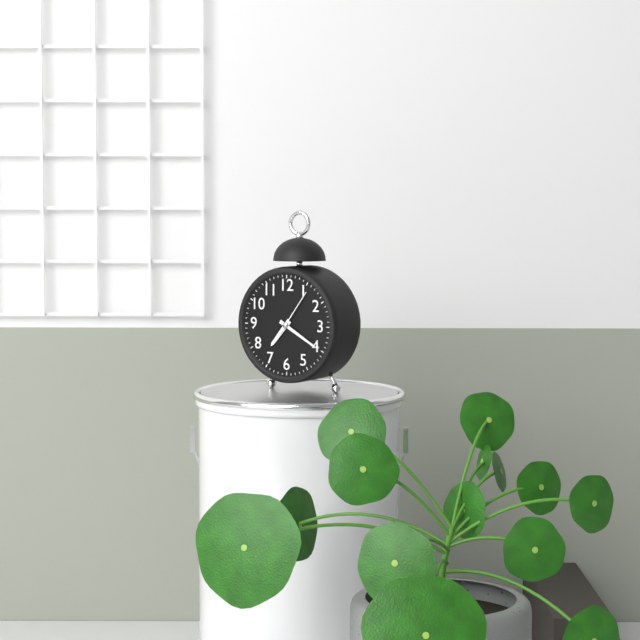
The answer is 7h20
